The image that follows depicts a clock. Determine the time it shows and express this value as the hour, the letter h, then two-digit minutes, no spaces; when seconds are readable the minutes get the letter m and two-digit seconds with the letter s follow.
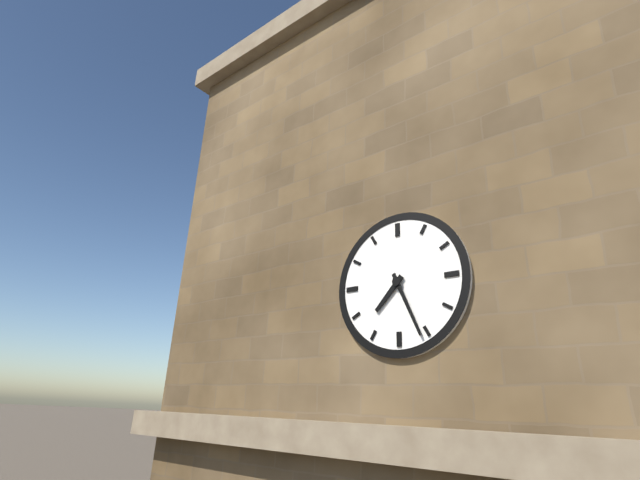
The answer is 7h26
